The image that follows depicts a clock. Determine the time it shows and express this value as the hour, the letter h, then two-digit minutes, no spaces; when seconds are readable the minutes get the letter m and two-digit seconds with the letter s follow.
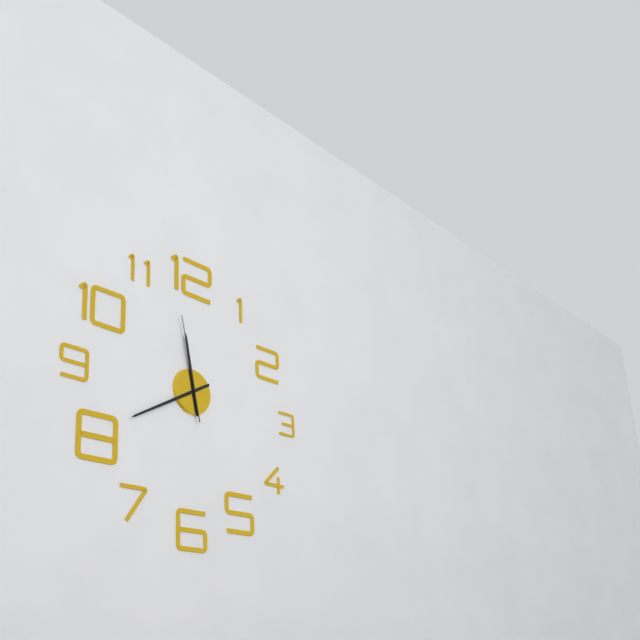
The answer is 11h40m58s
